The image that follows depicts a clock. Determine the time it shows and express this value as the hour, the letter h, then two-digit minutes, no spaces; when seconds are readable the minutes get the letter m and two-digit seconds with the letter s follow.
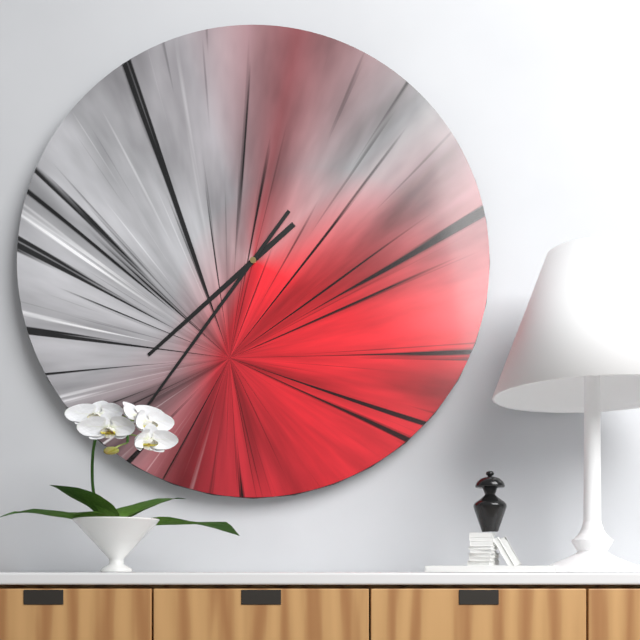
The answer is 7h36
